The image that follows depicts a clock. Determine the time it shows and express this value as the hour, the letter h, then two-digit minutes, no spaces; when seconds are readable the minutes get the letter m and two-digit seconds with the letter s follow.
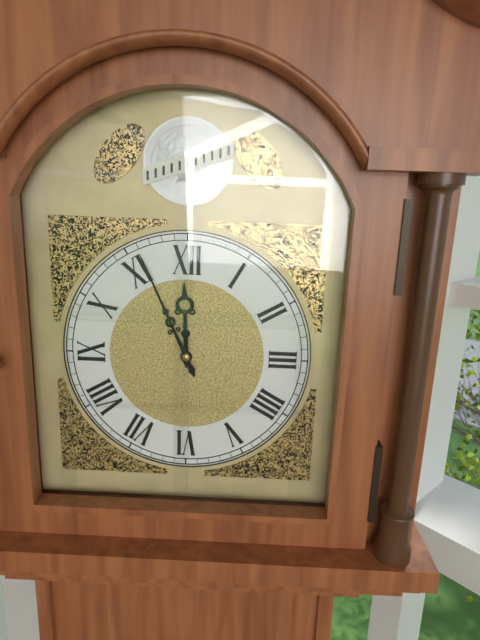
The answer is 11h56
